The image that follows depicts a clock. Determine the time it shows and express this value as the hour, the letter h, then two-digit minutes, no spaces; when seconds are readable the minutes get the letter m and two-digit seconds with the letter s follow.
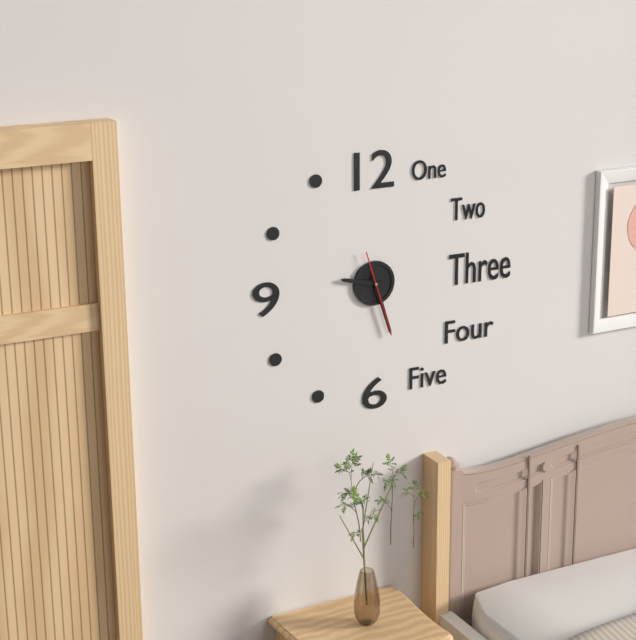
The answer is 9h27m27s
